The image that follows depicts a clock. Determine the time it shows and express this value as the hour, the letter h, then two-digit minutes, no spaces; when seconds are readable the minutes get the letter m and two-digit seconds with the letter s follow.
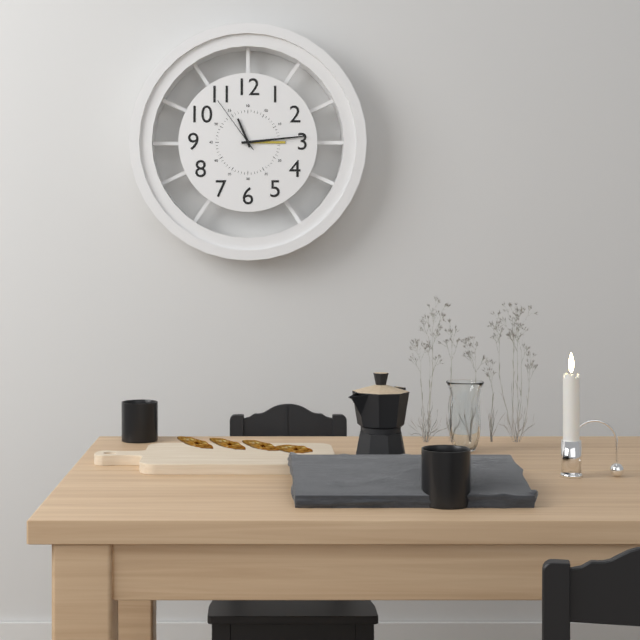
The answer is 11h14m54s
